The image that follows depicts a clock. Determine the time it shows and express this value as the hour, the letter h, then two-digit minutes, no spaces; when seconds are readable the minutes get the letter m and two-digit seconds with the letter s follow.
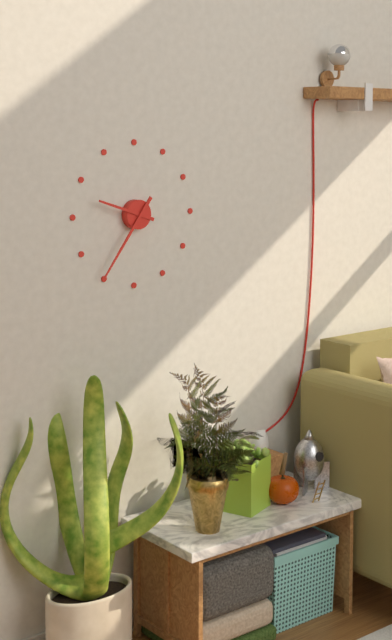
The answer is 9h36
